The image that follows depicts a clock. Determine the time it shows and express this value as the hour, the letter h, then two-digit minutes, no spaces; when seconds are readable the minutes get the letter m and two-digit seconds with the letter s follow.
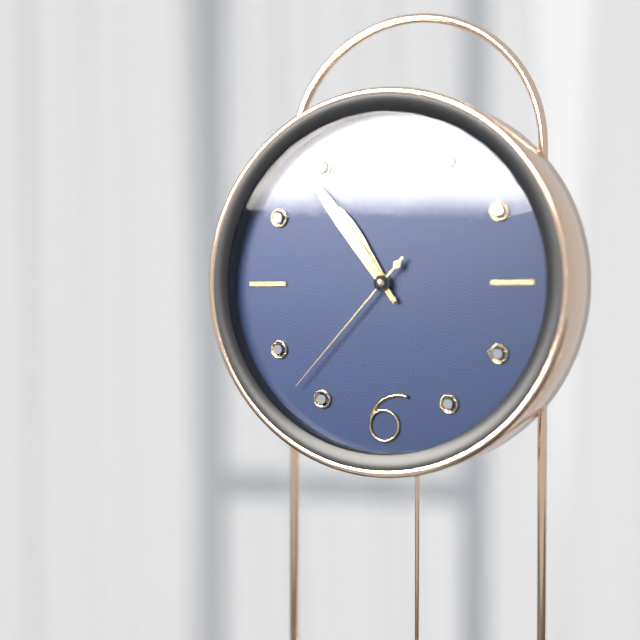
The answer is 10h54m37s
